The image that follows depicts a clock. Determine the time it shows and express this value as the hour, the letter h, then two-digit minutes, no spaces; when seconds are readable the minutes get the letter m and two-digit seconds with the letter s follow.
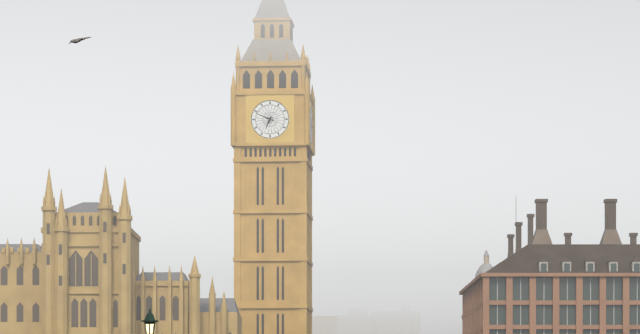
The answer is 6h49
